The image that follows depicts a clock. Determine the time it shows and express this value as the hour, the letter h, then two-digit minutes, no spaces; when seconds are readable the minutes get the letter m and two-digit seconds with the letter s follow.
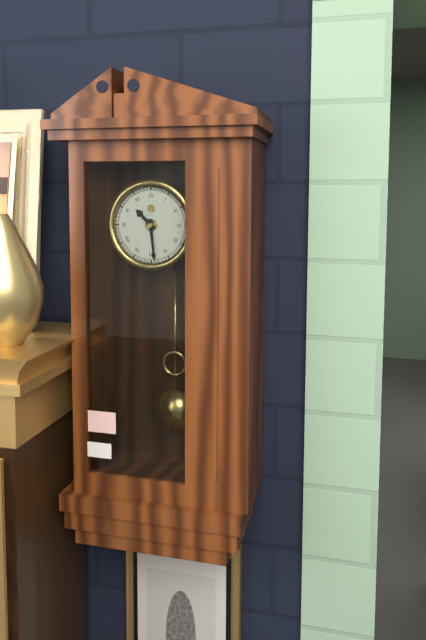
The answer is 10h29
